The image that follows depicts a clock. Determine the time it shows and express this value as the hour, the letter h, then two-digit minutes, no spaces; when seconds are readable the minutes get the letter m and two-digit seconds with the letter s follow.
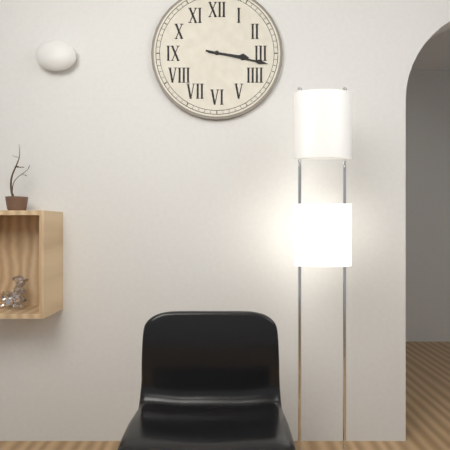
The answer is 3h17
